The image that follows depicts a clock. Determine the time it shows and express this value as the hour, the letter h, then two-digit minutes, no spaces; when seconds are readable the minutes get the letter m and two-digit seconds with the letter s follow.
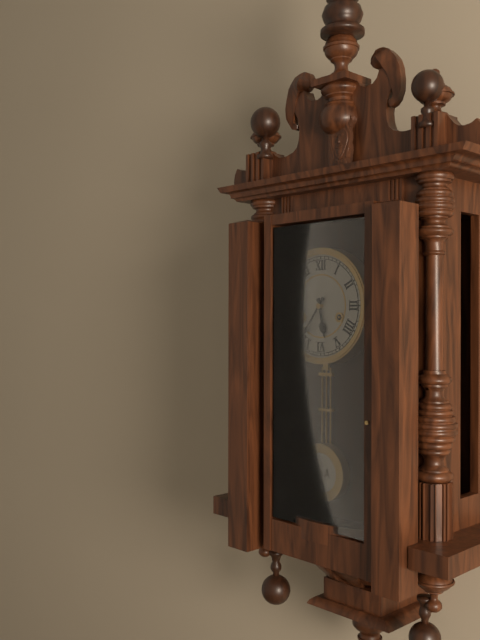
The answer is 5h36
